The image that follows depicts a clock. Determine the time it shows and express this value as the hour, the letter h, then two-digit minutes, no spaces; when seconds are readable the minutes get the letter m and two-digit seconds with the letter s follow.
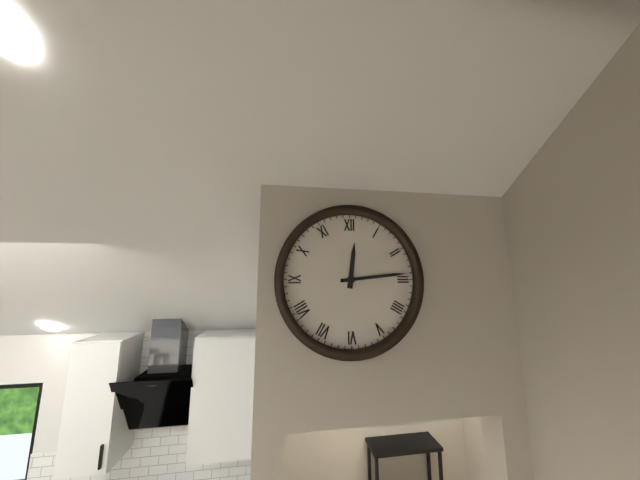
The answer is 12h14
